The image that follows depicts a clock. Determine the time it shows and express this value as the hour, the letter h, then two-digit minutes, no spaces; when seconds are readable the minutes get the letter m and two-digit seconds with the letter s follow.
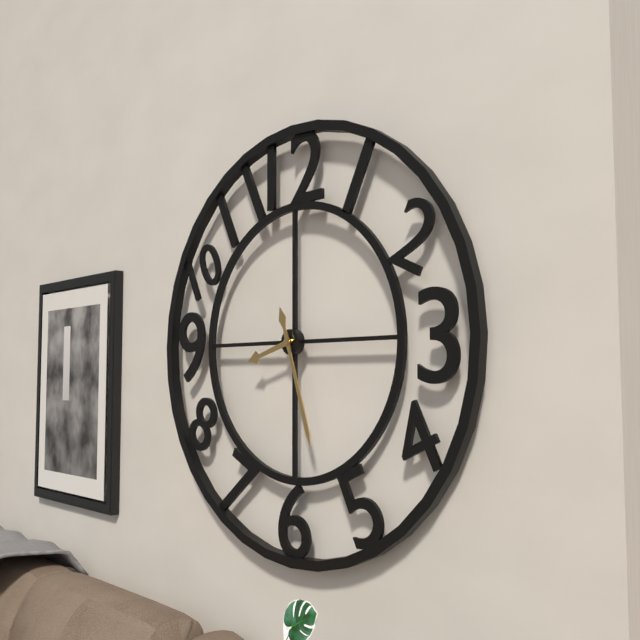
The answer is 8h27
